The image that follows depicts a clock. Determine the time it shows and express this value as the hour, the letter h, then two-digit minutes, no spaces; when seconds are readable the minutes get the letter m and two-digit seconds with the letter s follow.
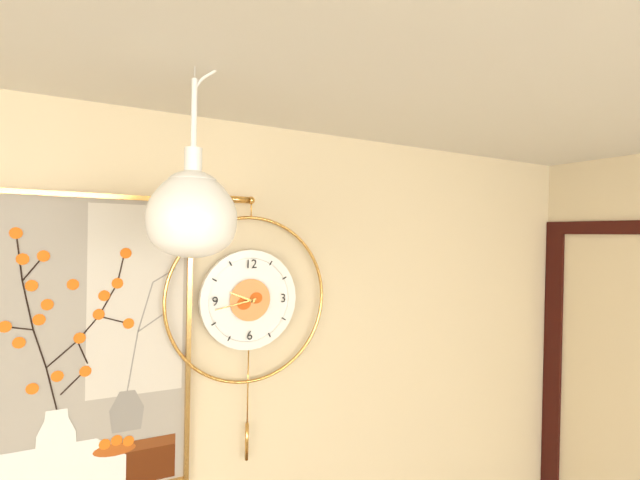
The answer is 9h43
